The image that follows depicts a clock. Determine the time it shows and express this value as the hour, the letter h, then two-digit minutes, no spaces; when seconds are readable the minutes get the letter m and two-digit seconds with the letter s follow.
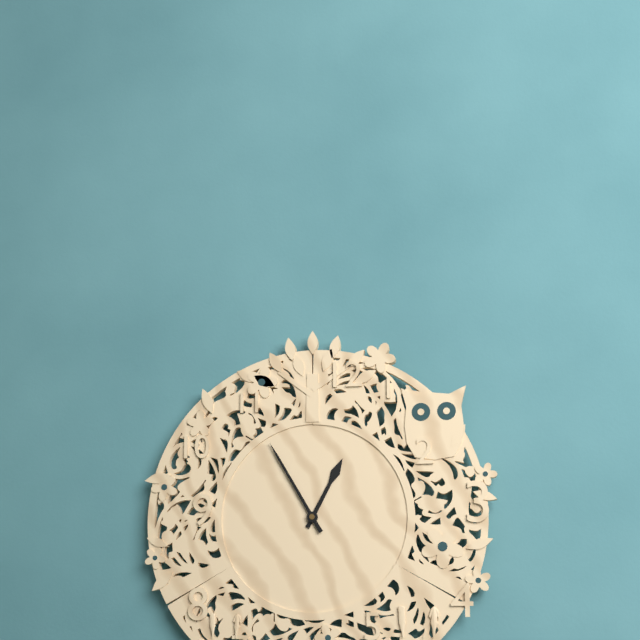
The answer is 12h55
